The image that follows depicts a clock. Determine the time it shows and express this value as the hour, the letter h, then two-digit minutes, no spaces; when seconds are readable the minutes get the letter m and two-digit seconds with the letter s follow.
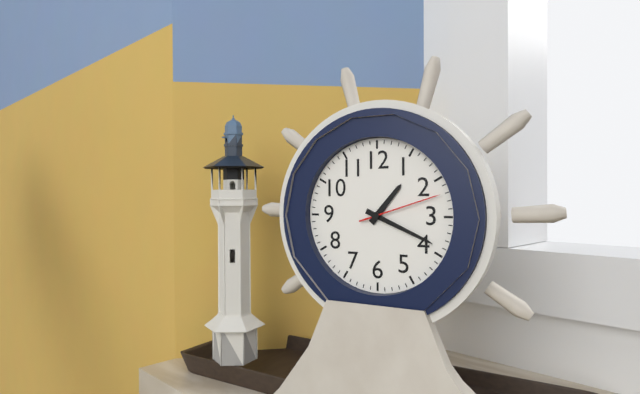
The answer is 1h19m12s
